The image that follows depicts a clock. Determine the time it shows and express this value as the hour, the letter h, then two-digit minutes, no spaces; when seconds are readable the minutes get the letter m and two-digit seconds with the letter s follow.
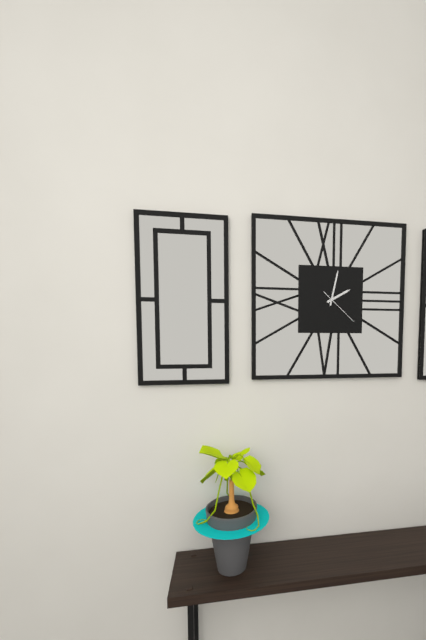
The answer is 2h02
